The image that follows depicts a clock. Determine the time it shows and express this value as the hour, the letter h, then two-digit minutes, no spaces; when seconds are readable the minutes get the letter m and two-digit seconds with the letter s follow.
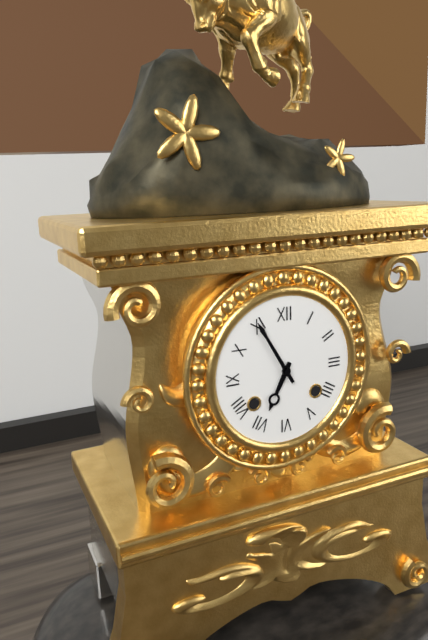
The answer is 6h55
